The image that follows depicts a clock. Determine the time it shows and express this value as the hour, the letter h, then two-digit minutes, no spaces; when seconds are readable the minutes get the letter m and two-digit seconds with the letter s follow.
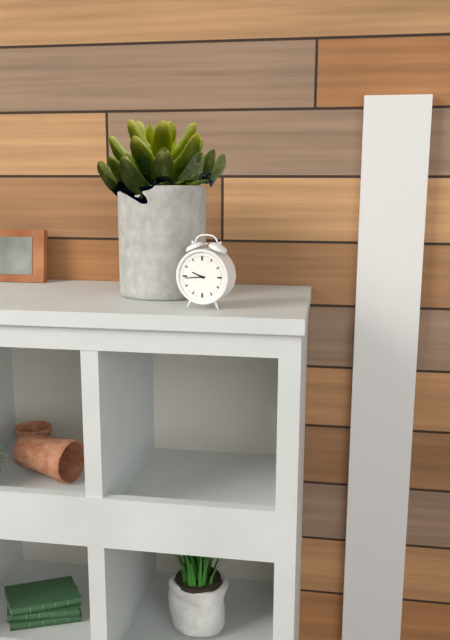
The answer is 9h44
